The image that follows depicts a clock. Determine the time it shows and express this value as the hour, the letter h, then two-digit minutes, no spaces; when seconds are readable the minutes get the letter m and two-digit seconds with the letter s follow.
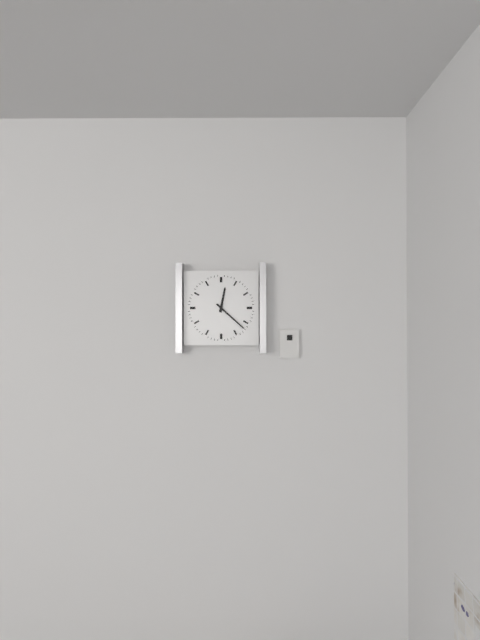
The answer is 12h22
